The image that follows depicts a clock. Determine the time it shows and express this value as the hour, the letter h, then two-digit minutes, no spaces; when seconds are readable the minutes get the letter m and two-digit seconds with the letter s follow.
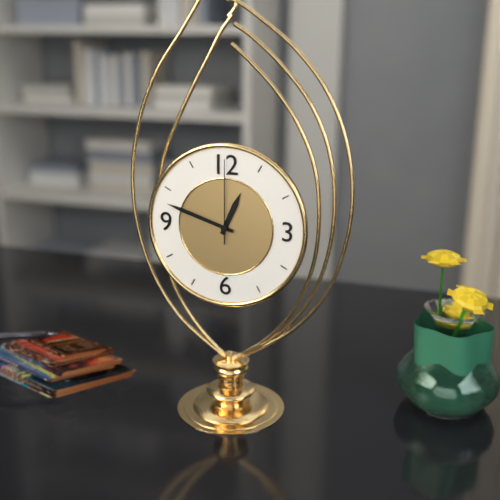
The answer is 12h48m00s
